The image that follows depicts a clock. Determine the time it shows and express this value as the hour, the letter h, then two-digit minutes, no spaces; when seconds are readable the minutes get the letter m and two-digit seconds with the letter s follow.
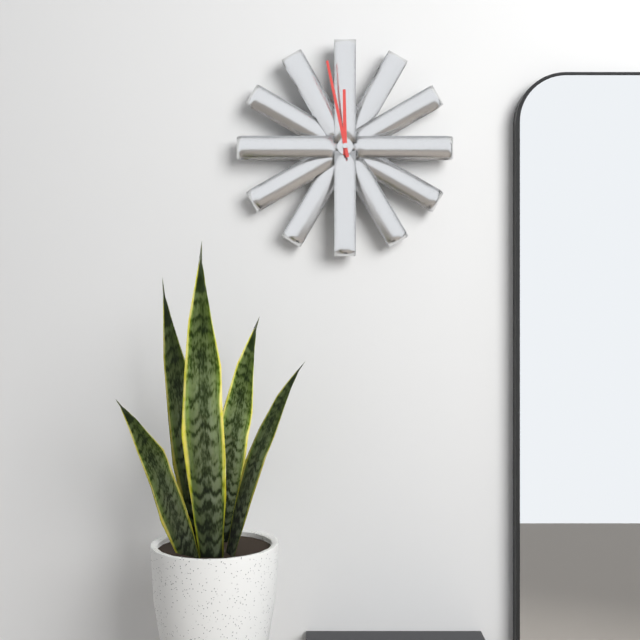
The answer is 11h58
